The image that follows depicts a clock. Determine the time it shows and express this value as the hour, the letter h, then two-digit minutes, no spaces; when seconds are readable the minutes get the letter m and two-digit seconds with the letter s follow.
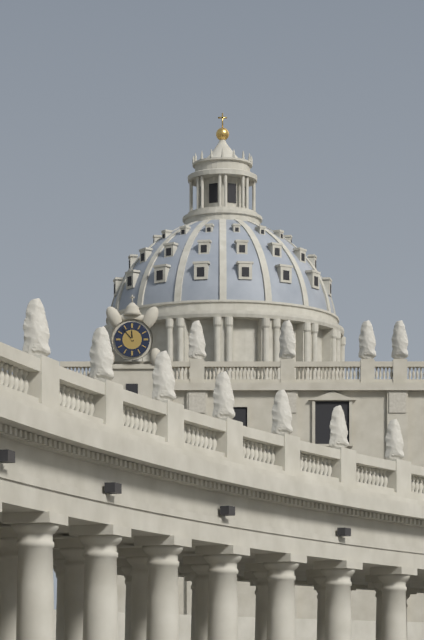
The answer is 11h53
